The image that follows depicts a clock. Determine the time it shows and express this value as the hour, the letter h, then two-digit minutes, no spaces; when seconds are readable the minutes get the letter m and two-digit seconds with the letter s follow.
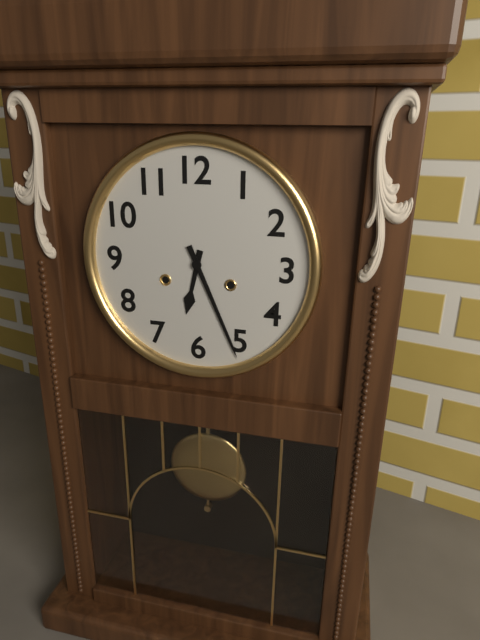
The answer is 6h26
